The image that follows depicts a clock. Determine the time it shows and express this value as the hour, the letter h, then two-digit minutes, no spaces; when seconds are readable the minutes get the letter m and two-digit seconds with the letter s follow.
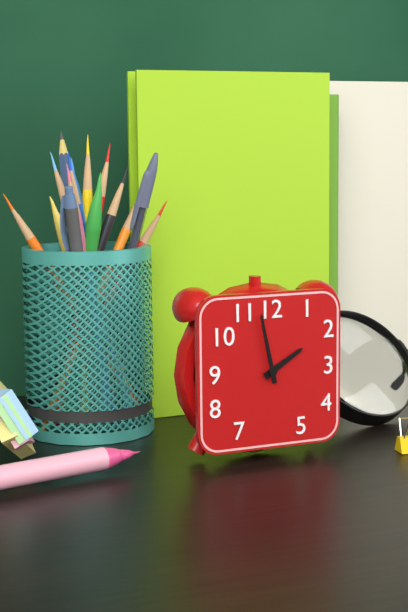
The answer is 1h58
